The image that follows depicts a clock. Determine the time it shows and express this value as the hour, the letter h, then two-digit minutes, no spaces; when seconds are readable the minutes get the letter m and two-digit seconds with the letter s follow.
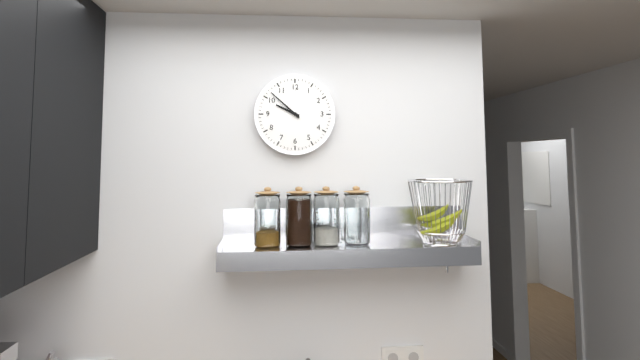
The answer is 9h52
